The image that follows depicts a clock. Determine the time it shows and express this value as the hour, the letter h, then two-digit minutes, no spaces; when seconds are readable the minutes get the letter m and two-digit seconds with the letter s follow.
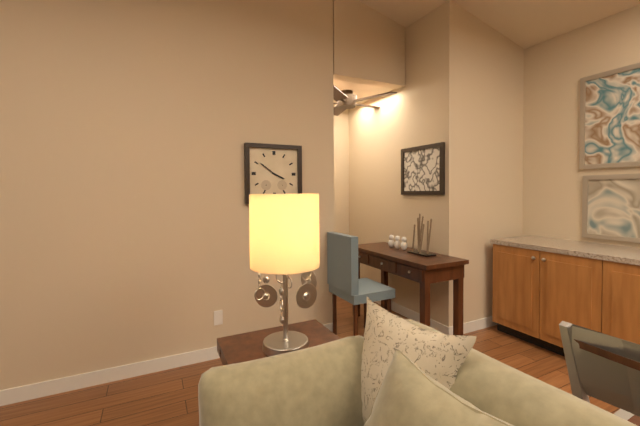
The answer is 3h51
